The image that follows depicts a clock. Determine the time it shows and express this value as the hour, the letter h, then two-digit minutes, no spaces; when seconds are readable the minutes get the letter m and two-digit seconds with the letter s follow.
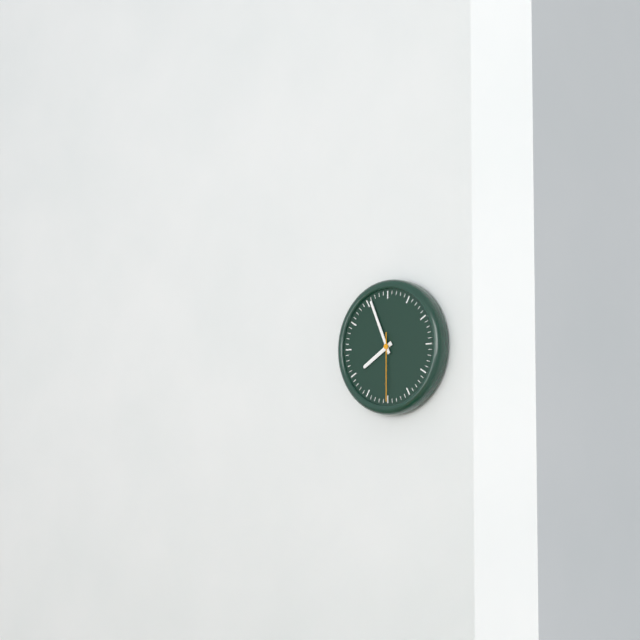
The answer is 7h56m30s
